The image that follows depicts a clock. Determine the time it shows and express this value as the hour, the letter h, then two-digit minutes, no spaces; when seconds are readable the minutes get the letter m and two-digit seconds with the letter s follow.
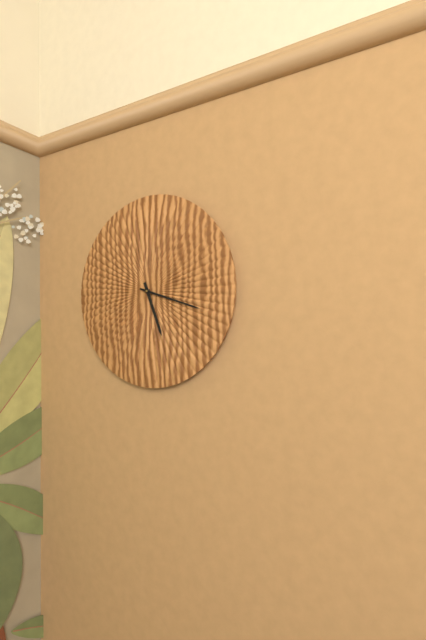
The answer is 5h18
